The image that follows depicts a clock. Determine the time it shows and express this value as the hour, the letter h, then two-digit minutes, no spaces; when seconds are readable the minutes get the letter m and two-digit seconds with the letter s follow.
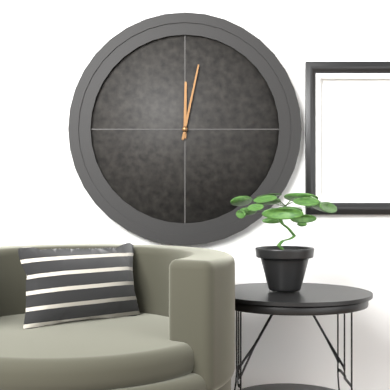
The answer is 12h02
